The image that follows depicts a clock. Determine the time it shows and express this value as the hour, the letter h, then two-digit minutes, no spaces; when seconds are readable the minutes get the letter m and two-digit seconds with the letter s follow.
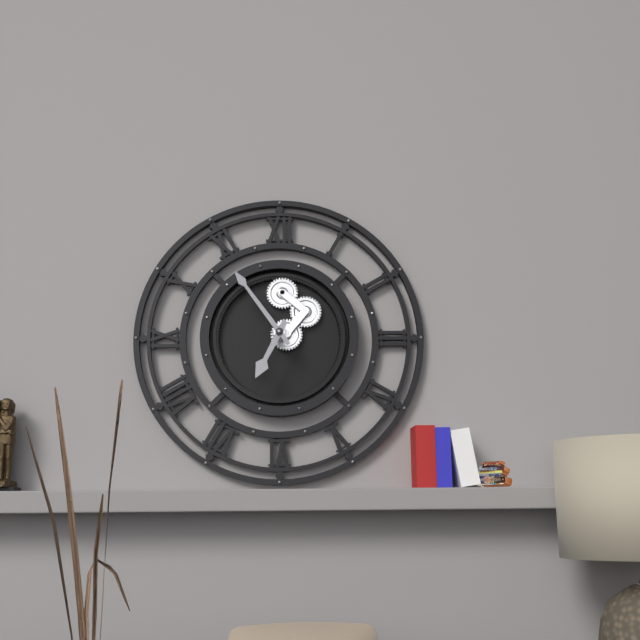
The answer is 6h54
